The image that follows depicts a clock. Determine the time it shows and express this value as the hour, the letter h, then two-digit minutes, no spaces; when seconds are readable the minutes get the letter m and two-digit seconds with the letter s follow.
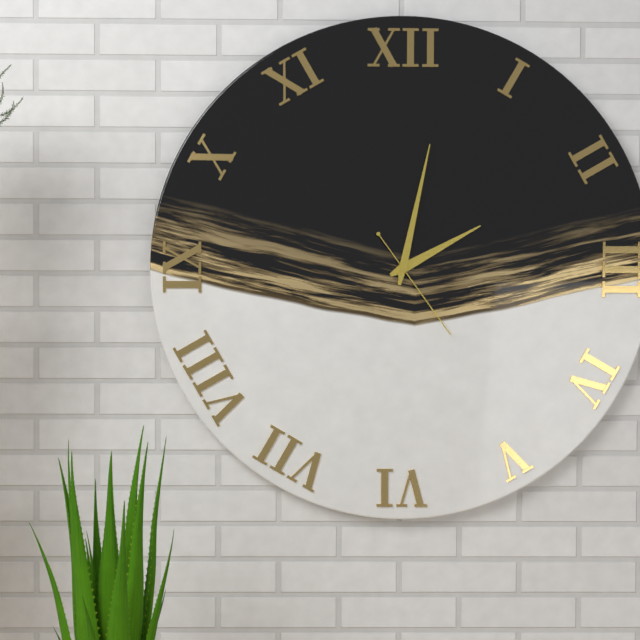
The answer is 2h02m24s
